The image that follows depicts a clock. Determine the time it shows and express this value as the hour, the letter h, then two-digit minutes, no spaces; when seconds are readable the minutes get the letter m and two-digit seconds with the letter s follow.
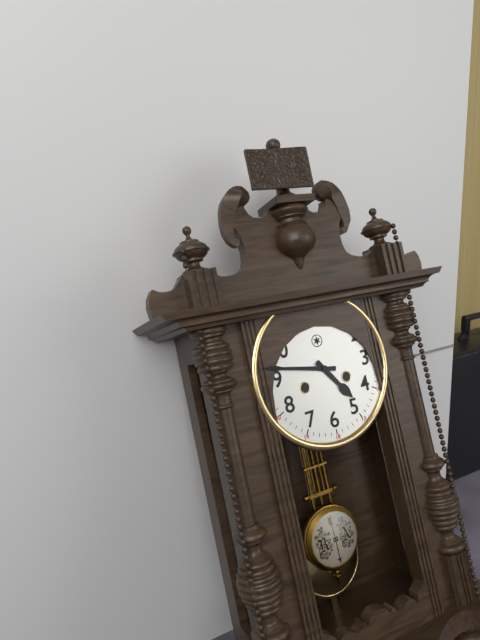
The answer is 4h47
